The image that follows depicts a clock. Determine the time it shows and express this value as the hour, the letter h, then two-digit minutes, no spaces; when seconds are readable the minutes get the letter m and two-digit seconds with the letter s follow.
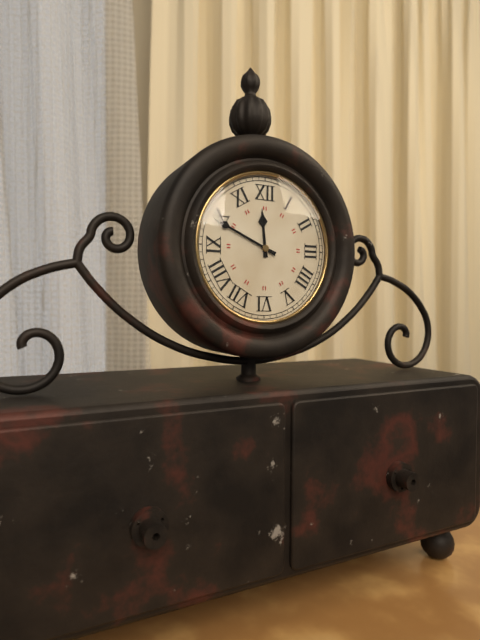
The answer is 11h49
